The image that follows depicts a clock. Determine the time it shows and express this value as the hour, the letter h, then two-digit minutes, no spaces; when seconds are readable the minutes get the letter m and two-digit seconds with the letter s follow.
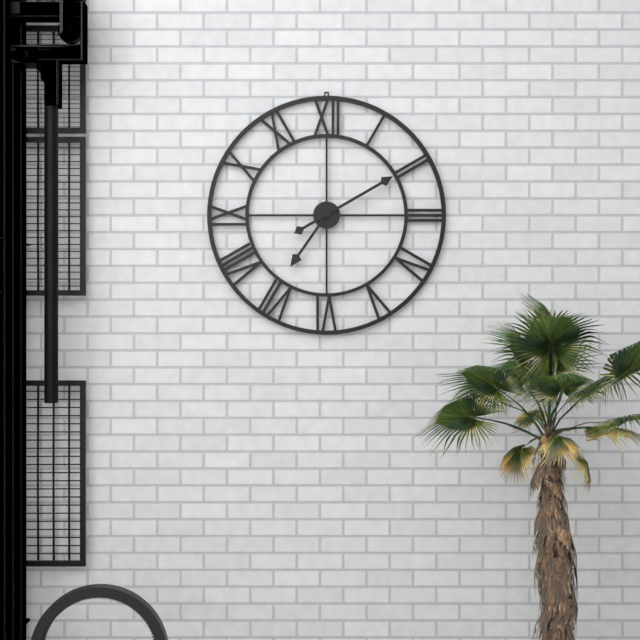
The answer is 7h10
